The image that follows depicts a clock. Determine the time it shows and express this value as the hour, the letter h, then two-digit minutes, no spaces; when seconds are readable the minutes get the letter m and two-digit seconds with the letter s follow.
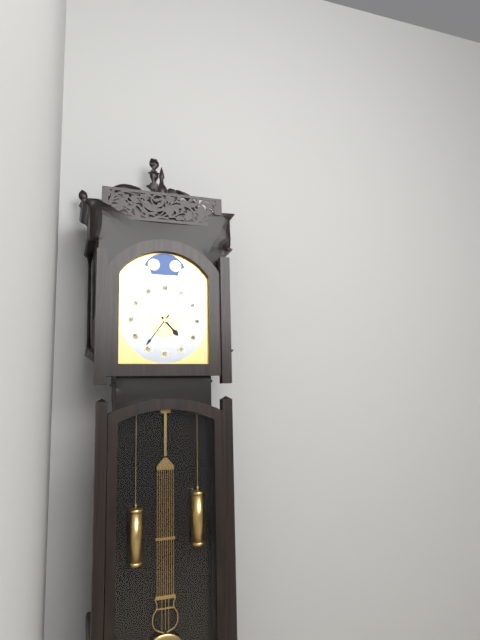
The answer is 4h36
